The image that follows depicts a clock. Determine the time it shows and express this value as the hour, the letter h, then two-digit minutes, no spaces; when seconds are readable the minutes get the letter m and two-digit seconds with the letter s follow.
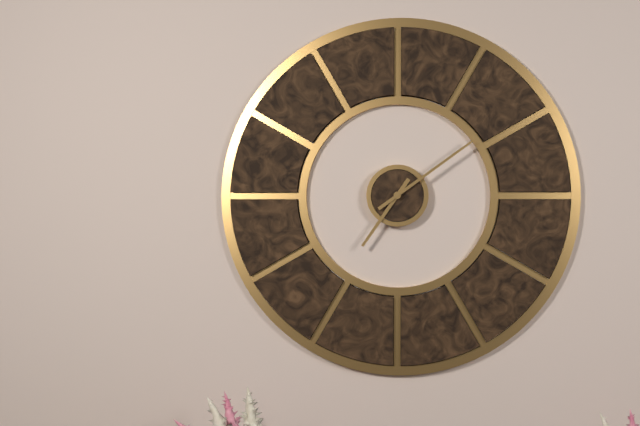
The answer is 7h09
